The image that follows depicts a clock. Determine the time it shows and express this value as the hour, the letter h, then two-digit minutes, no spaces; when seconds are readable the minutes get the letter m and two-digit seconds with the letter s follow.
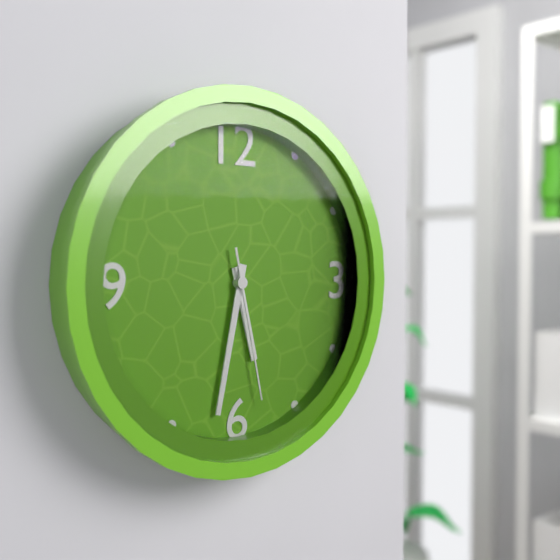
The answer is 5h32m28s
